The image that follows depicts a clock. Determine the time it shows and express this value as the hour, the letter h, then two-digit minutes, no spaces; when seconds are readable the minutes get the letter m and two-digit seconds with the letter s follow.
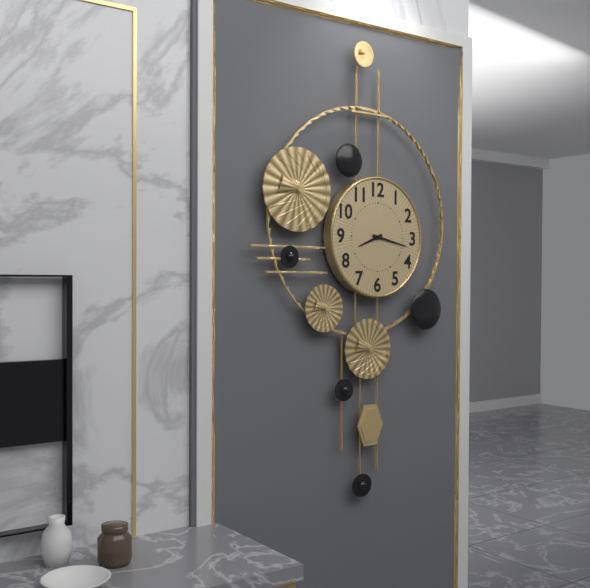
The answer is 8h17
